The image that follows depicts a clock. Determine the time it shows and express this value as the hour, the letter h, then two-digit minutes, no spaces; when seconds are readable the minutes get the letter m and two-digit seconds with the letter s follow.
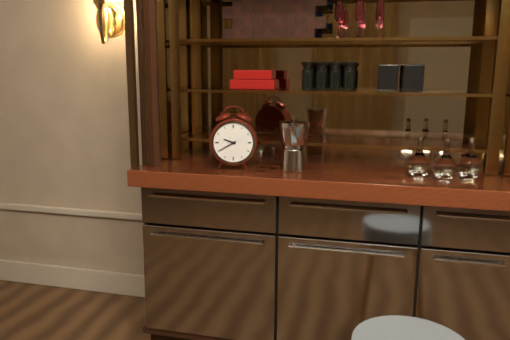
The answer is 9h40
